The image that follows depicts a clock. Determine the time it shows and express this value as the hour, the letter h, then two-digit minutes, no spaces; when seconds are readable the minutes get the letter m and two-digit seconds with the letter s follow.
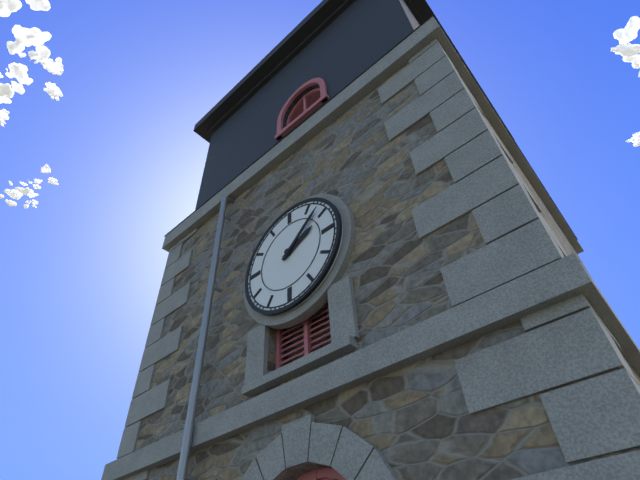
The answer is 2h08
